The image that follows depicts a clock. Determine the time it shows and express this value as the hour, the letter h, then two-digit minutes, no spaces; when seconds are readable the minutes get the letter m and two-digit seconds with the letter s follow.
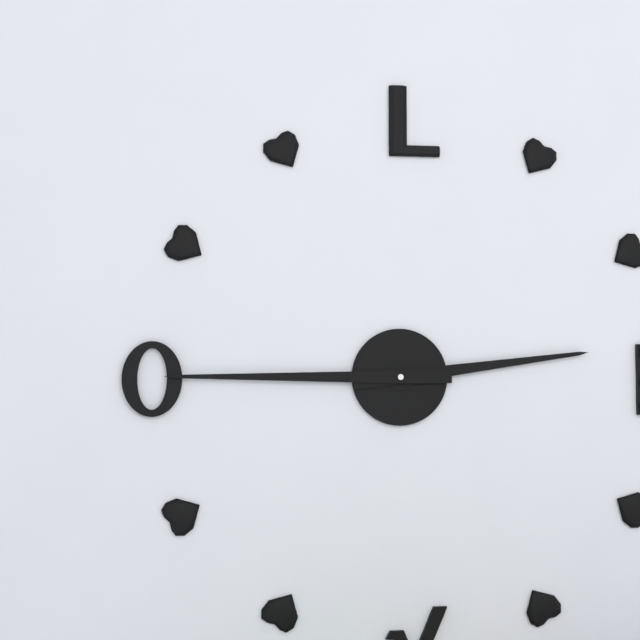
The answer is 2h45
